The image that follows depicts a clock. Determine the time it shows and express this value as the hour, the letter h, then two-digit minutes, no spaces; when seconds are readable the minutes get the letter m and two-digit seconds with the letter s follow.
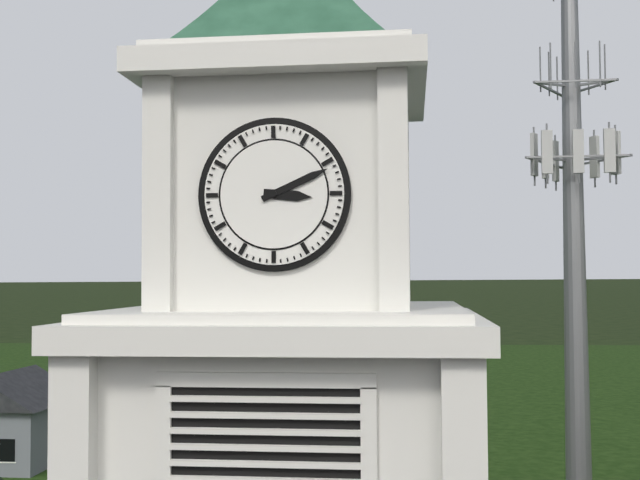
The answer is 3h11
